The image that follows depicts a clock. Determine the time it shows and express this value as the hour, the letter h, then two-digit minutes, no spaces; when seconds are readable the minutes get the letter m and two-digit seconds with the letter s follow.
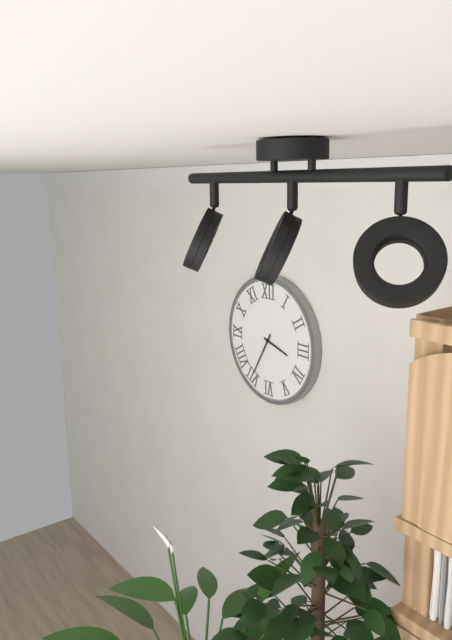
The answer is 3h35
